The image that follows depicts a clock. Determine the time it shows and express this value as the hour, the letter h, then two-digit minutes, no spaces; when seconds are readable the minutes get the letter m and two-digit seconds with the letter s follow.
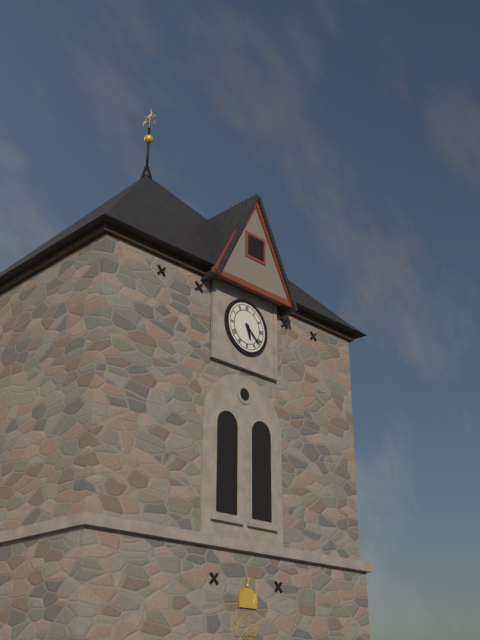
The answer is 5h22
